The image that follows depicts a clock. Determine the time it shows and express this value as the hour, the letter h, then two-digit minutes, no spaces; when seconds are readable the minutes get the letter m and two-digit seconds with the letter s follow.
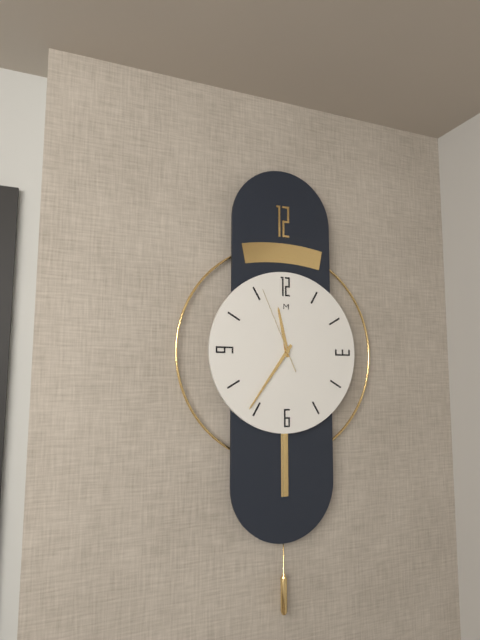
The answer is 11h36m56s
